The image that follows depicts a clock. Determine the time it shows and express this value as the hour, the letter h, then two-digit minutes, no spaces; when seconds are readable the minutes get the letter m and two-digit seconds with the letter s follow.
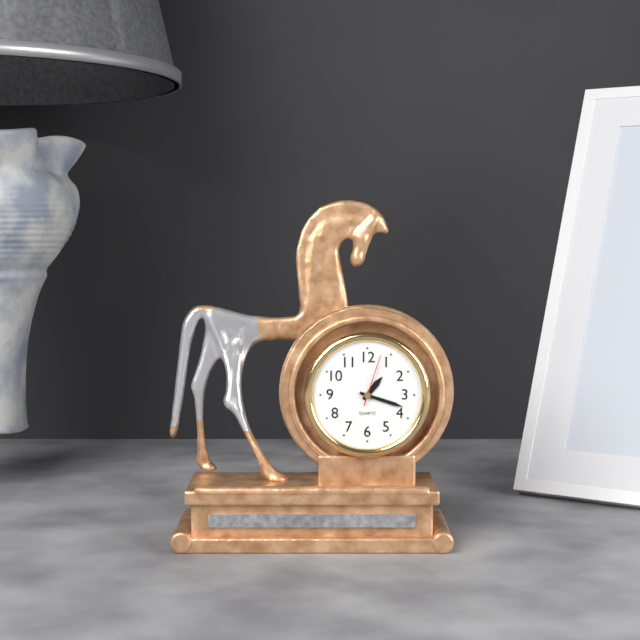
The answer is 1h18m03s
